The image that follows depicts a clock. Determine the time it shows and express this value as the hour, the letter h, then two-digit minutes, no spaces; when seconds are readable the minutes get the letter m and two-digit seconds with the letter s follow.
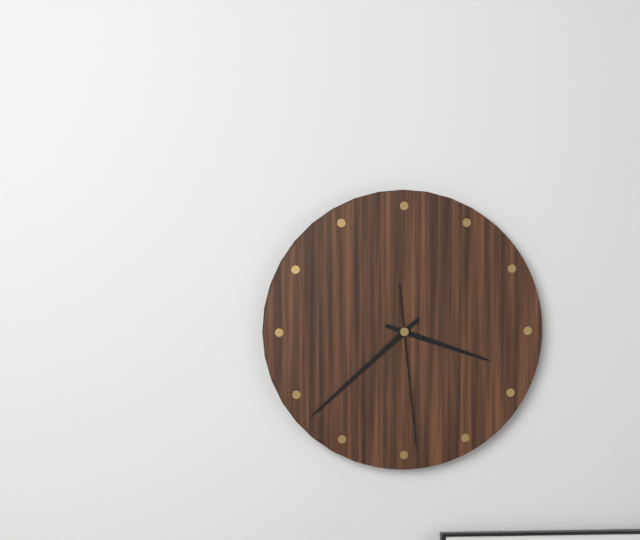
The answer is 3h38m29s
